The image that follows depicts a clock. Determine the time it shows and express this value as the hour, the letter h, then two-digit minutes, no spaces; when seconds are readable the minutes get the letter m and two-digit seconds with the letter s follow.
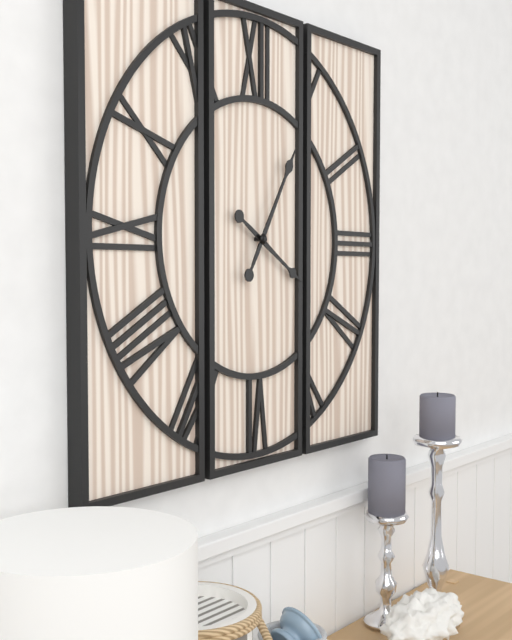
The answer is 4h05
